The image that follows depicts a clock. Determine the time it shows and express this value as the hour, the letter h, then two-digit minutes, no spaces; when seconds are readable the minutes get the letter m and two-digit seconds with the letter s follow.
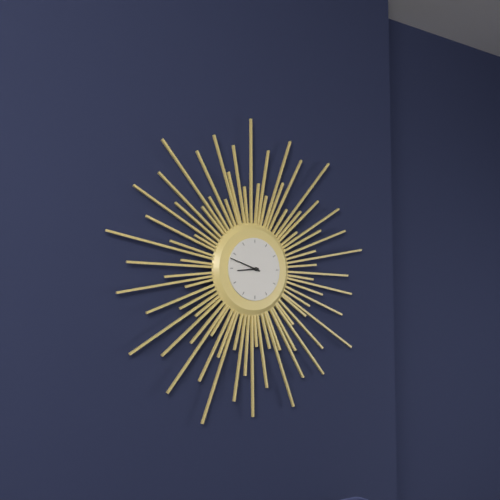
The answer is 8h48
